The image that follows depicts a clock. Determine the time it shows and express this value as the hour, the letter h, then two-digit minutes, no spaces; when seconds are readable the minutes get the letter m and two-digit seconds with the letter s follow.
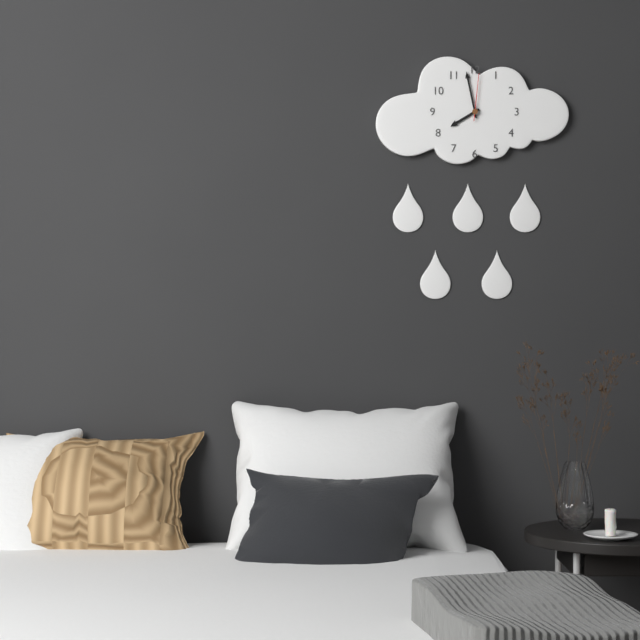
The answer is 7h58
